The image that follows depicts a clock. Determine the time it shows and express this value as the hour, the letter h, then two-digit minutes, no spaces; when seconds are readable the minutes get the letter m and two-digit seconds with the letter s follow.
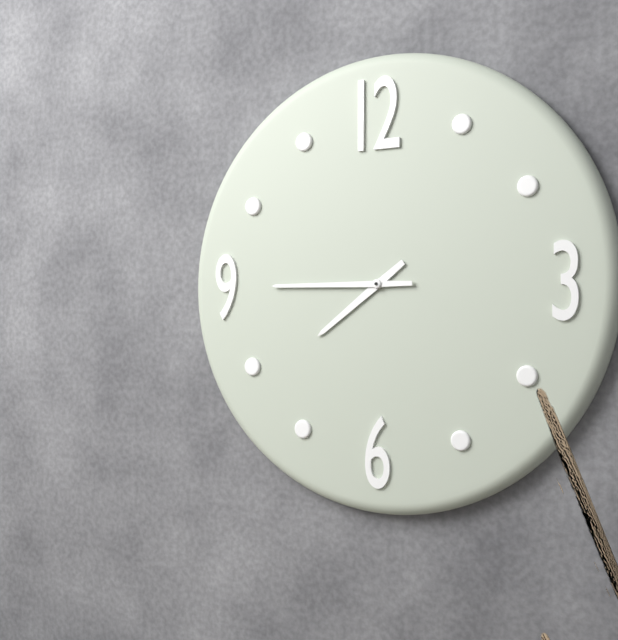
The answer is 7h45
